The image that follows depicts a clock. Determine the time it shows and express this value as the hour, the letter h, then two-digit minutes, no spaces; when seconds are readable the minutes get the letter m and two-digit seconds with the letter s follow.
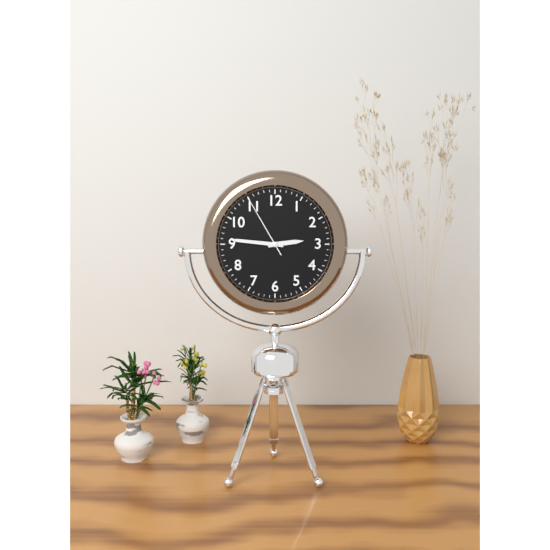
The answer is 2h46m55s
